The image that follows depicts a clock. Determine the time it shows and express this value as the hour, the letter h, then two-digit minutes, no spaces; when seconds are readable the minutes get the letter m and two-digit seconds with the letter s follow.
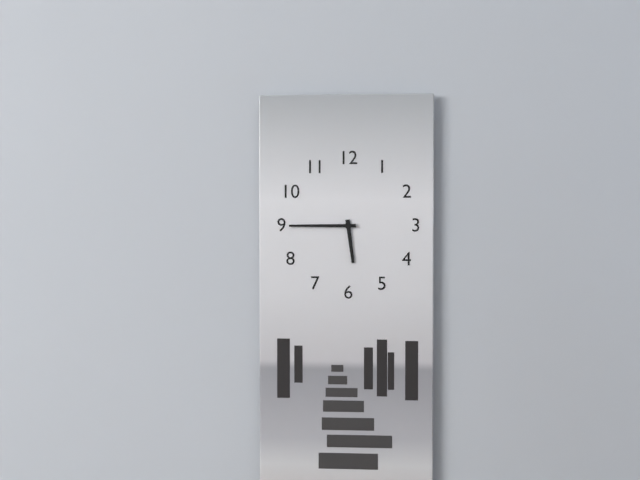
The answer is 5h45
